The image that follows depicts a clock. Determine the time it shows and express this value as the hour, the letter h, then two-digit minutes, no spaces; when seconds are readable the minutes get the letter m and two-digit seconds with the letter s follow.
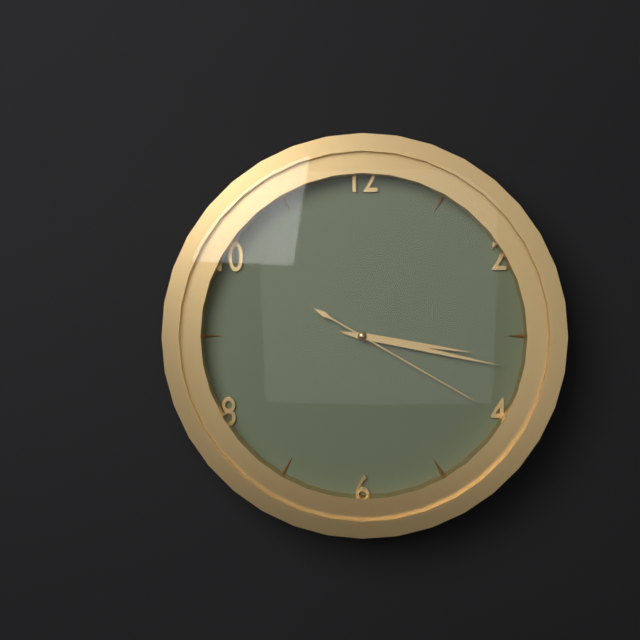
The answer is 3h17m20s
